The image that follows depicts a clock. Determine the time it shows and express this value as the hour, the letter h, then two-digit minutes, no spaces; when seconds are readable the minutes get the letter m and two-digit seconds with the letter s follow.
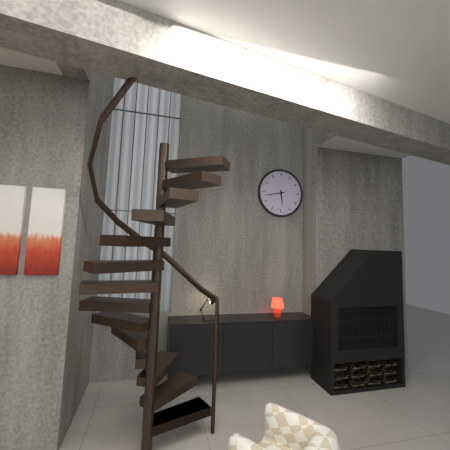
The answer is 5h43
